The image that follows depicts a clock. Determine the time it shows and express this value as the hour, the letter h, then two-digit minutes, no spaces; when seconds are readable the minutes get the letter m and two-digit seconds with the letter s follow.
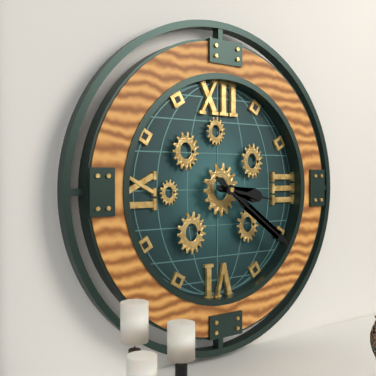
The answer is 3h21
